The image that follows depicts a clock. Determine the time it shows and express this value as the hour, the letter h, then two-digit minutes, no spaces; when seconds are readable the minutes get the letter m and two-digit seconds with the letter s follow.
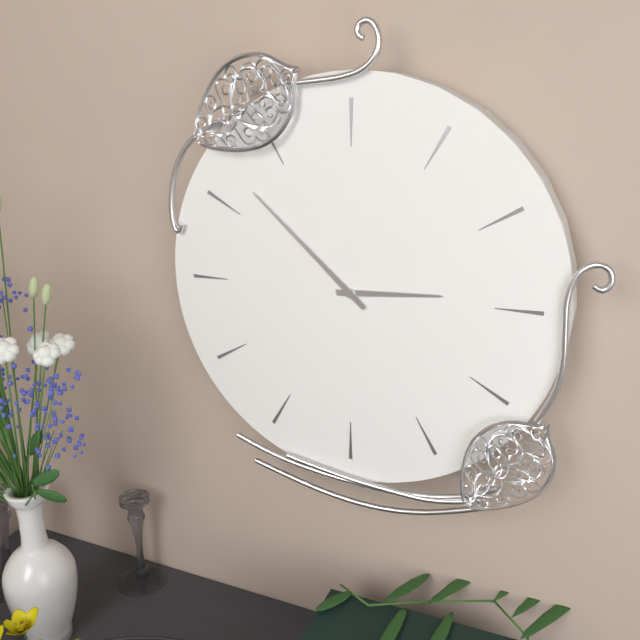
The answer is 2h52
